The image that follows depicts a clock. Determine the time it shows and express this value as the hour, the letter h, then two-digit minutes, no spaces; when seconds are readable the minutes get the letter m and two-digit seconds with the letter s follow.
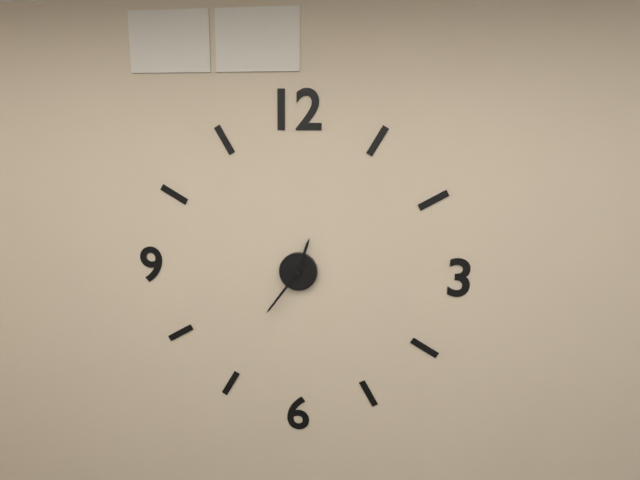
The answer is 12h36
